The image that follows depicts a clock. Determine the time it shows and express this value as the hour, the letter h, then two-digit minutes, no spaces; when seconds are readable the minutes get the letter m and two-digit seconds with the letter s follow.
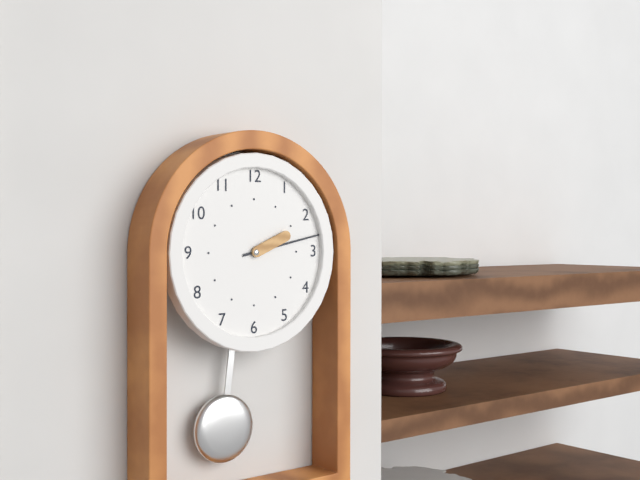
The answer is 2h13
